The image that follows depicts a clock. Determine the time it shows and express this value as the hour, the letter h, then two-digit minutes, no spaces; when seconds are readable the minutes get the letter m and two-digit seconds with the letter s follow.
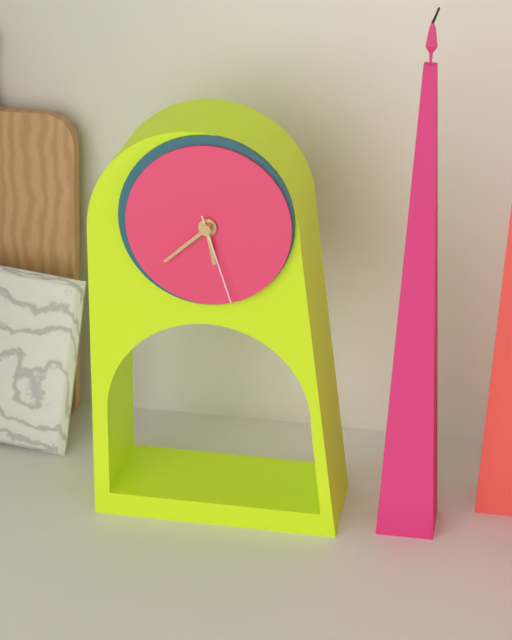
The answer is 5h38m27s
